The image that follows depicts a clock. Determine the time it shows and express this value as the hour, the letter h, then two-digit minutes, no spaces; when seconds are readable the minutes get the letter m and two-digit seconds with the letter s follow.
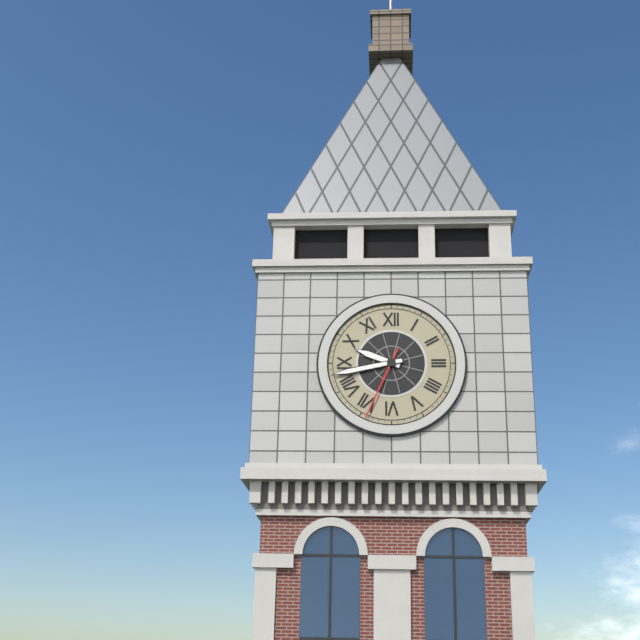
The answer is 9h43m34s
